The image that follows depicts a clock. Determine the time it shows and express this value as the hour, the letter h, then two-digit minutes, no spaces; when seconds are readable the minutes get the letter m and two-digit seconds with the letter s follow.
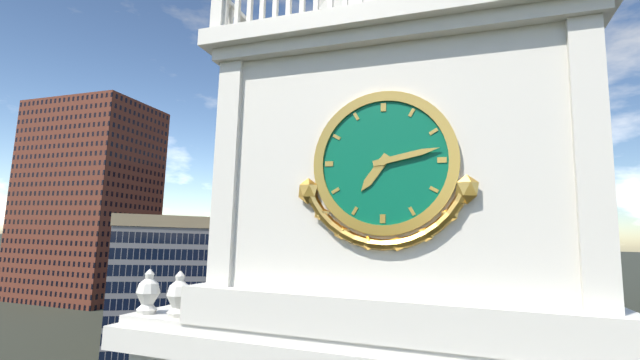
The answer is 7h13
